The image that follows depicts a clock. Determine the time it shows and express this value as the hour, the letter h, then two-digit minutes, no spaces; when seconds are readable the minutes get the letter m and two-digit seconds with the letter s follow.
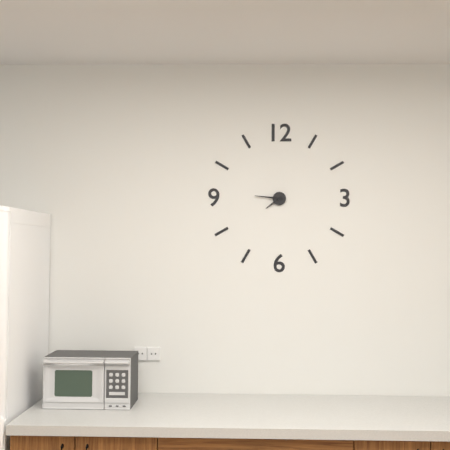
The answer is 7h46
